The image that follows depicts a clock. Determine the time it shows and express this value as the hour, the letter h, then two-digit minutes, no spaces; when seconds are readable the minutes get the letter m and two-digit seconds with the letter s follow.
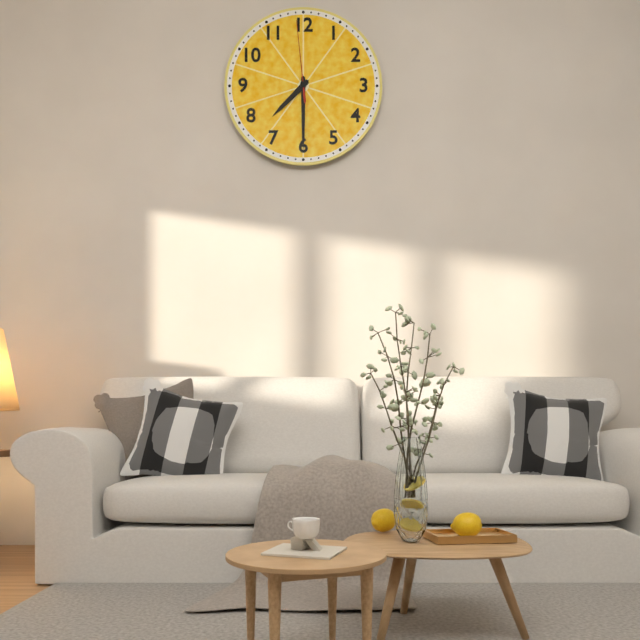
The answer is 7h30m59s
